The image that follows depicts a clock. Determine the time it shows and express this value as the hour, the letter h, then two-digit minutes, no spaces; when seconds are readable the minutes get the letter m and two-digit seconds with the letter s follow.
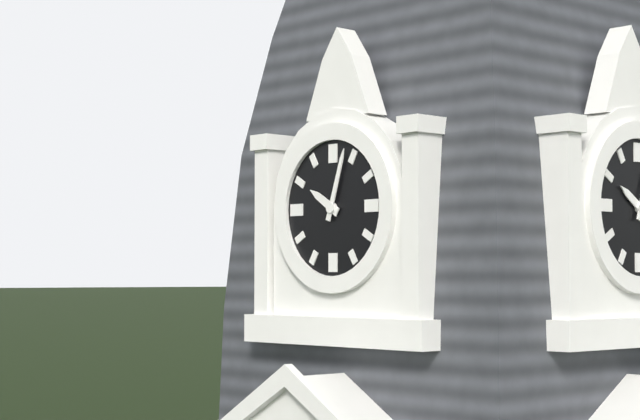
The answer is 10h03
